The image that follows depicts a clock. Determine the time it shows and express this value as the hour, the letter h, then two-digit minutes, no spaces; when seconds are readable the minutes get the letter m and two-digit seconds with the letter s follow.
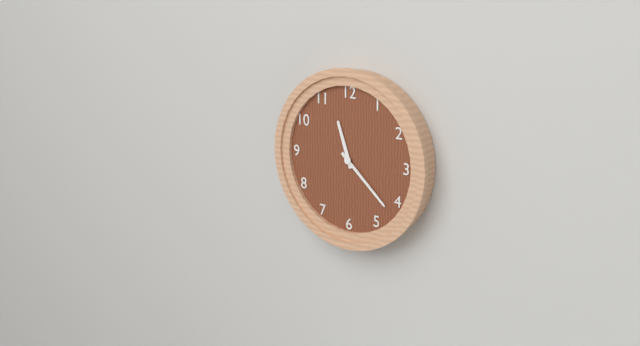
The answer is 11h22
